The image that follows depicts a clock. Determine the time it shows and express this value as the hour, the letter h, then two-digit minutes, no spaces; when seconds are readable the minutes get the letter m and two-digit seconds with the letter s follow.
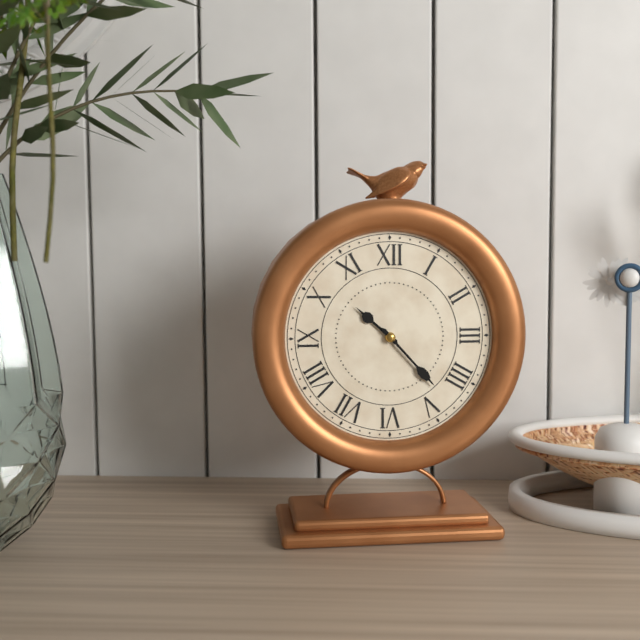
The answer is 10h23
